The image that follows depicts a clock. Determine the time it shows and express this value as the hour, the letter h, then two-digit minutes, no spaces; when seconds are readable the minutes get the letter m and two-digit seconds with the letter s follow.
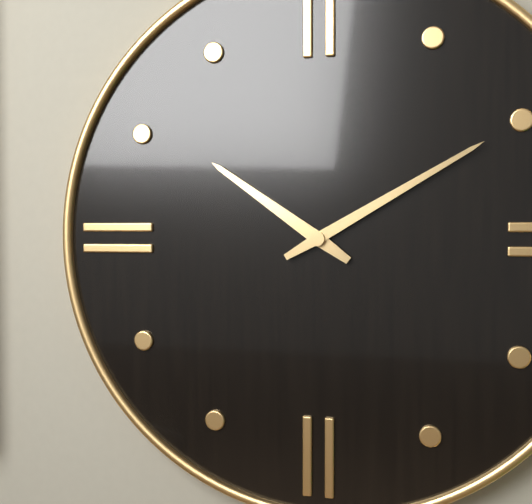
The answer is 10h10
